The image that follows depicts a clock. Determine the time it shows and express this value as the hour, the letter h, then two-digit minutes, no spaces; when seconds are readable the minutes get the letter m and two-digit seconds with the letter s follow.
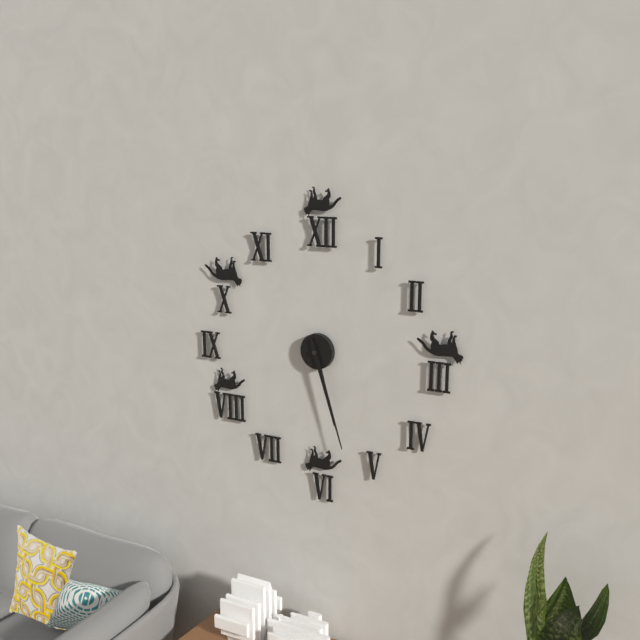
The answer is 5h27
